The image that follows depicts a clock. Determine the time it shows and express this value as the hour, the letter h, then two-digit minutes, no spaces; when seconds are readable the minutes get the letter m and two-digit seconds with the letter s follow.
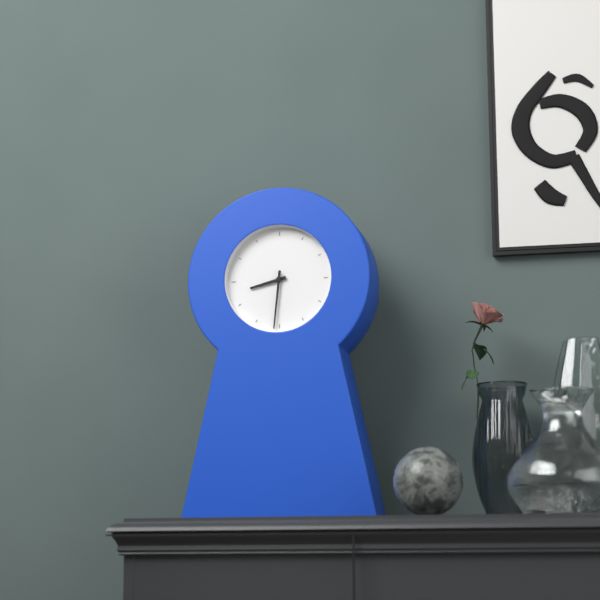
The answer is 8h31
